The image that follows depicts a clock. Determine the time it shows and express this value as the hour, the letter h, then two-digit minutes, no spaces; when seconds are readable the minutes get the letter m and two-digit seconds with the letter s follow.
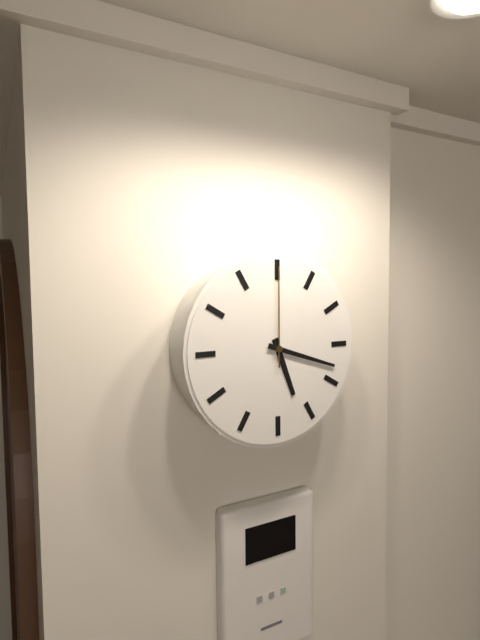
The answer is 5h18m00s
